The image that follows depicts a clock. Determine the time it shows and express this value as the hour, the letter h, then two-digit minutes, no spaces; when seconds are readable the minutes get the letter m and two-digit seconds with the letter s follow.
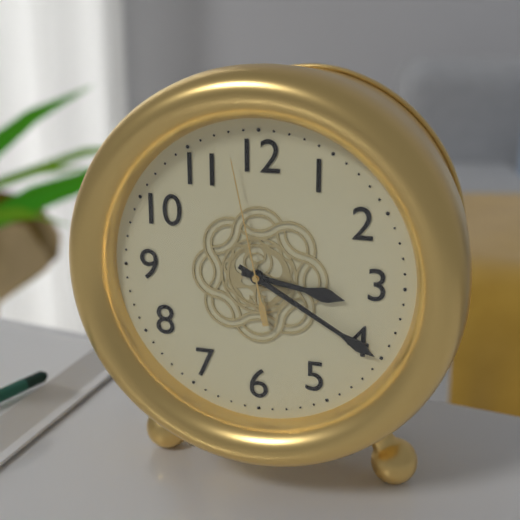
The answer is 3h20m58s
